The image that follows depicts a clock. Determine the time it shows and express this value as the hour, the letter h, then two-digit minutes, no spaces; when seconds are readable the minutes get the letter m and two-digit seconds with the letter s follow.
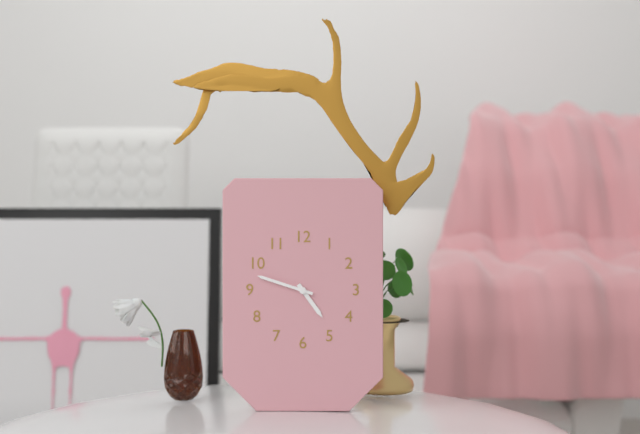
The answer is 4h48
